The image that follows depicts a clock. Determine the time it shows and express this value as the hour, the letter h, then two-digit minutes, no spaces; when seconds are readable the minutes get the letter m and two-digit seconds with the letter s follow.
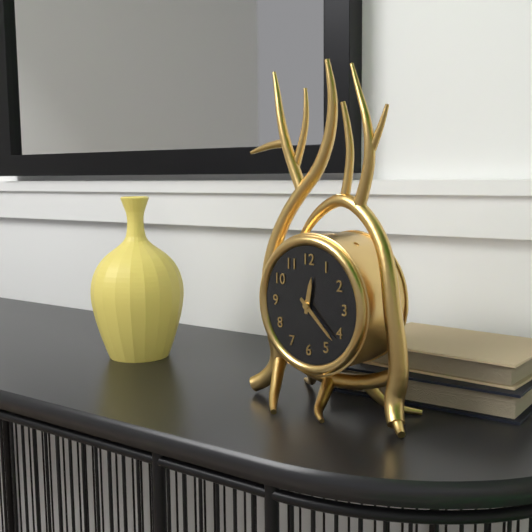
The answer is 12h22
